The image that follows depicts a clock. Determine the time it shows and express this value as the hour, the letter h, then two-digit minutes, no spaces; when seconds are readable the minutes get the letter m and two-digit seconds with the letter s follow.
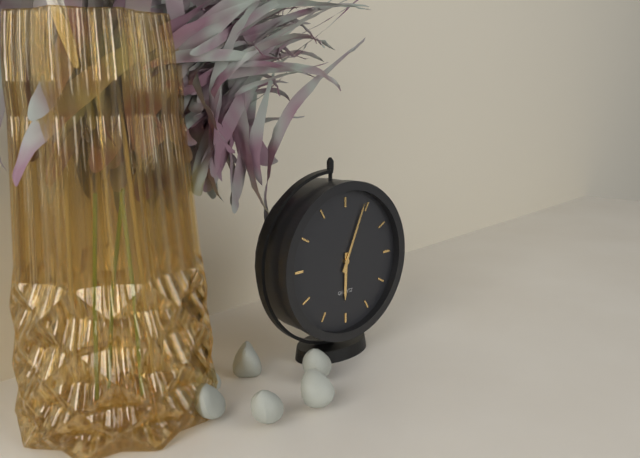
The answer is 6h04
